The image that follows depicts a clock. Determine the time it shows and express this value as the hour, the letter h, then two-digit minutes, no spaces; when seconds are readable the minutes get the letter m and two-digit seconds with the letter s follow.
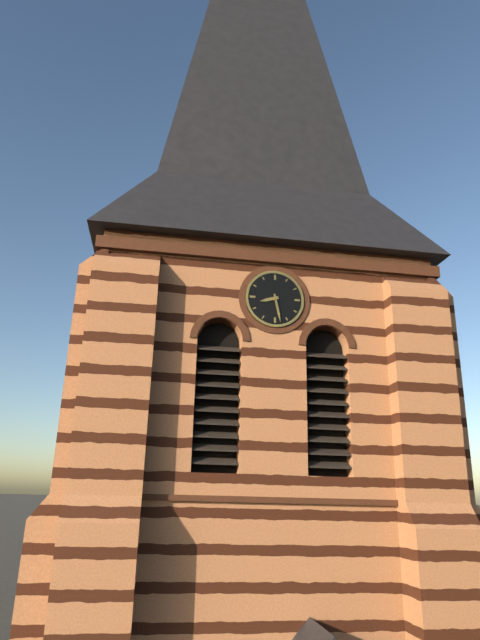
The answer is 8h28
